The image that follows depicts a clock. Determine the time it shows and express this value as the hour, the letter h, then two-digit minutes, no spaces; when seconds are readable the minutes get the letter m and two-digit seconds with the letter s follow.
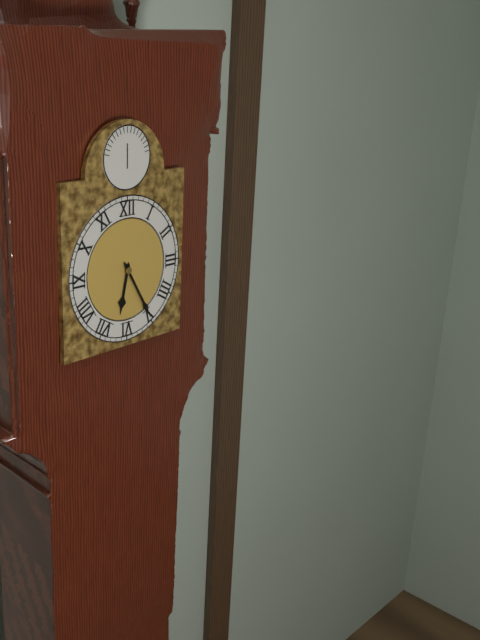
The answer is 6h25
